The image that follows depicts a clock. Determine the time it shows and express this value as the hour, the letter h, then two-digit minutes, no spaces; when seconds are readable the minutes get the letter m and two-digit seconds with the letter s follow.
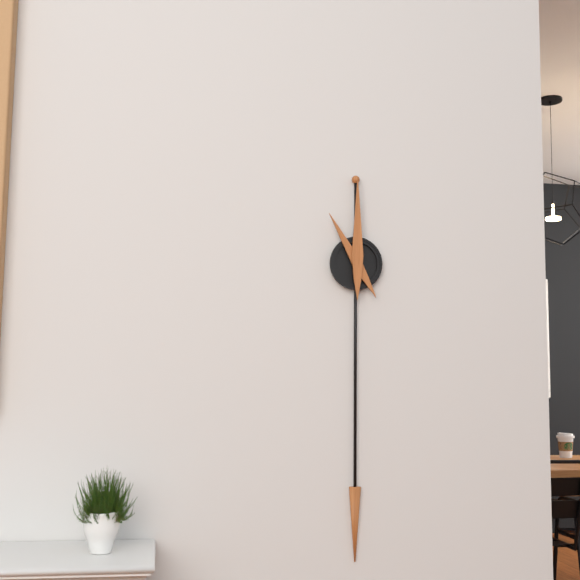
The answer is 11h00
